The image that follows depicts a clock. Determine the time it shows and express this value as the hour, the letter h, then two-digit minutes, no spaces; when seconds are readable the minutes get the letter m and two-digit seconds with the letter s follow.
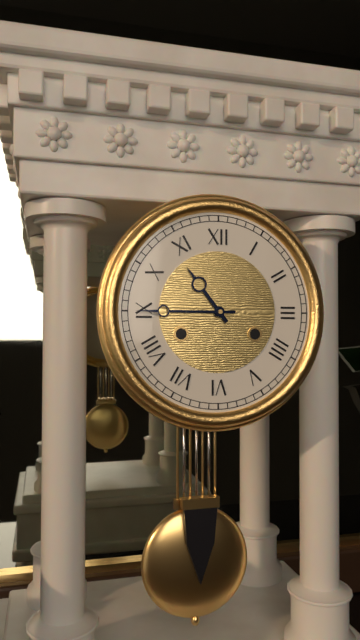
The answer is 10h45
